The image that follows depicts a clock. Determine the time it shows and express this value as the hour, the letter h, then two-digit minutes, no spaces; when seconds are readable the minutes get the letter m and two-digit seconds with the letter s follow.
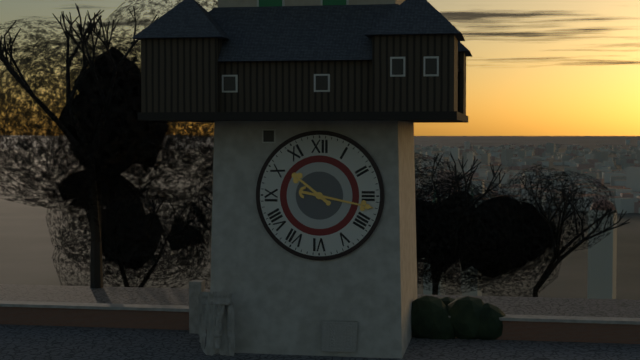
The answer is 10h17
